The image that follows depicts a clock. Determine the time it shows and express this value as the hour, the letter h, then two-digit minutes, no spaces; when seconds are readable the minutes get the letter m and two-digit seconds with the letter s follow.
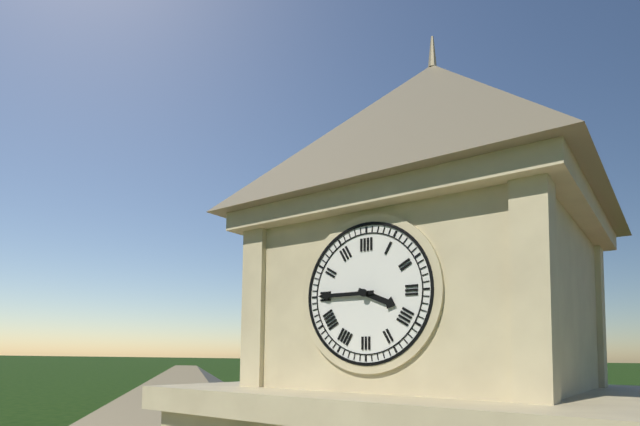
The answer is 3h45
